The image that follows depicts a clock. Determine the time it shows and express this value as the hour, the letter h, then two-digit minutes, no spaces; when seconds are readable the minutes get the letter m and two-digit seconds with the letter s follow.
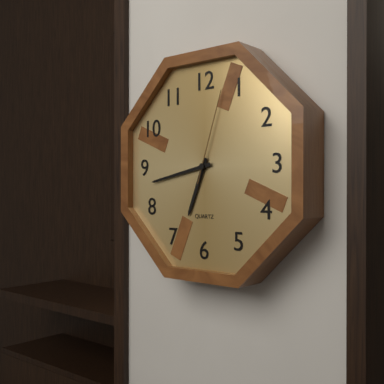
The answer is 6h43m03s
